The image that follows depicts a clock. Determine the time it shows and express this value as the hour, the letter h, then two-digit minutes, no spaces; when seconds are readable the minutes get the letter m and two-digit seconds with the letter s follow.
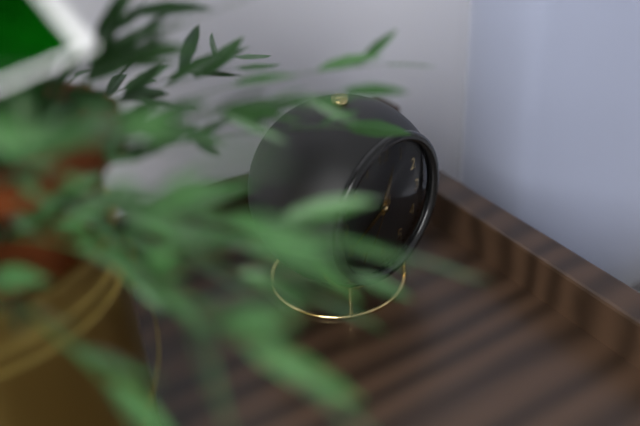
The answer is 12h41m35s
